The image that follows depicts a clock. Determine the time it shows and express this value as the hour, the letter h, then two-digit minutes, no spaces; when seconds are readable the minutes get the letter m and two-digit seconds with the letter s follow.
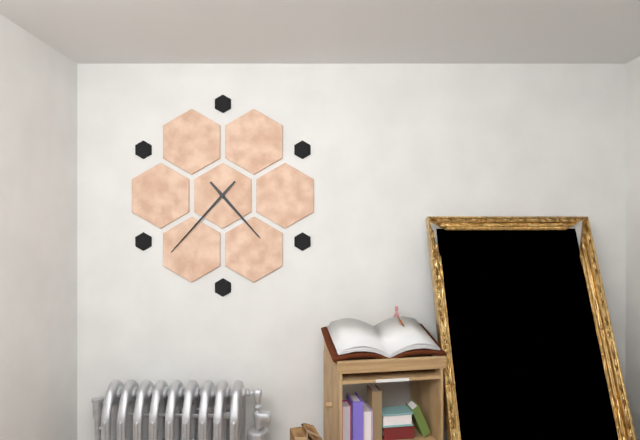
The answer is 4h37
